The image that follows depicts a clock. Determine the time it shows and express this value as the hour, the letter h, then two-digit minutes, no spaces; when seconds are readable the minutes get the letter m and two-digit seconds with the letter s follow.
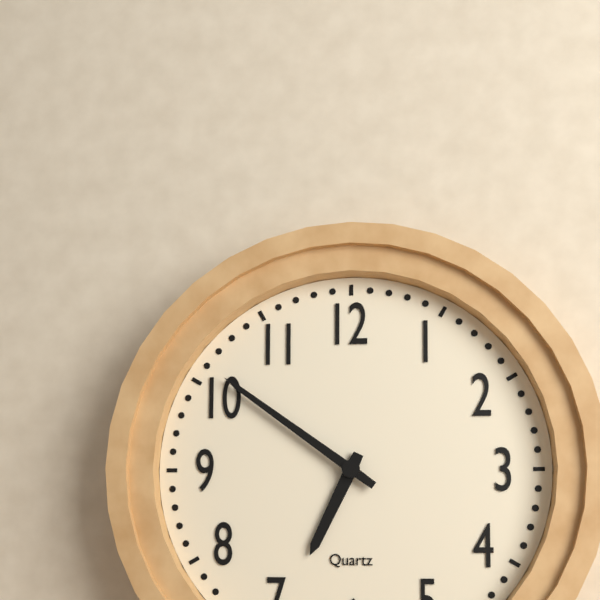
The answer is 6h51
